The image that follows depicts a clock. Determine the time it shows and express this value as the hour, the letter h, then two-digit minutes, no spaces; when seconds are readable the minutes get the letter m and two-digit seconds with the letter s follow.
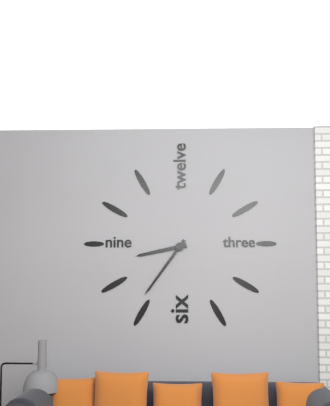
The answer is 8h36
